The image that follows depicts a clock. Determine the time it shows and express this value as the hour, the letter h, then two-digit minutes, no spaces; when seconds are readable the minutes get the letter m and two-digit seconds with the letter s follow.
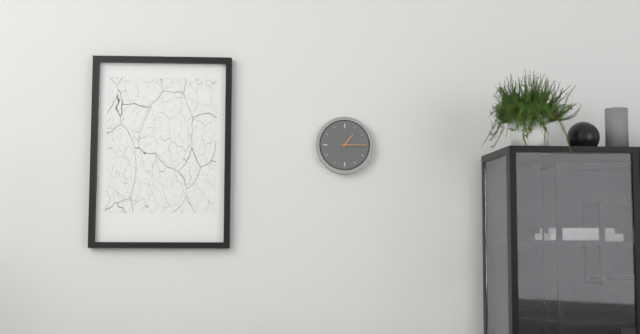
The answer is 1h15
